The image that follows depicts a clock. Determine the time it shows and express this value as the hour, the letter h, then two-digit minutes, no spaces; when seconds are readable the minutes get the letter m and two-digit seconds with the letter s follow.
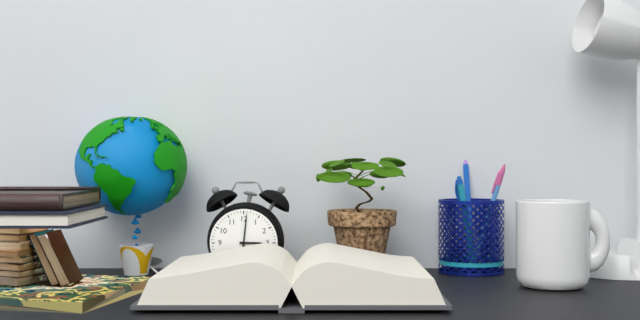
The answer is 3h01
